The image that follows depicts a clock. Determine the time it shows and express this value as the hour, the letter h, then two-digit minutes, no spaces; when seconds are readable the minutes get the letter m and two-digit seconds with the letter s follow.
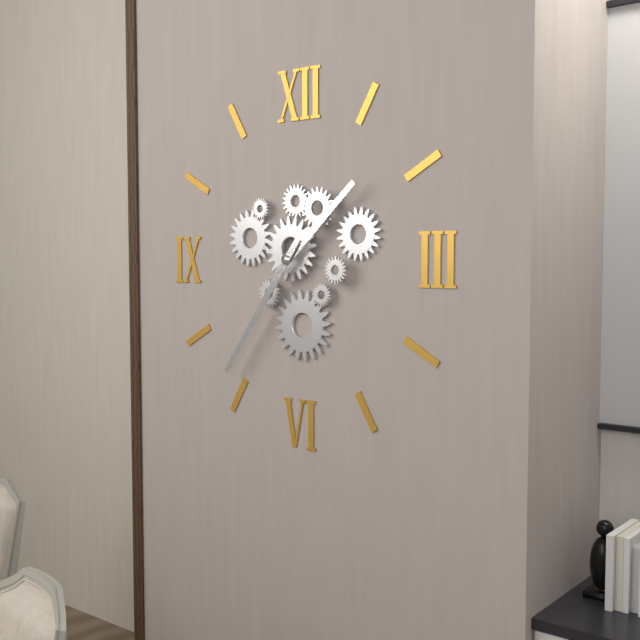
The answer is 1h36
